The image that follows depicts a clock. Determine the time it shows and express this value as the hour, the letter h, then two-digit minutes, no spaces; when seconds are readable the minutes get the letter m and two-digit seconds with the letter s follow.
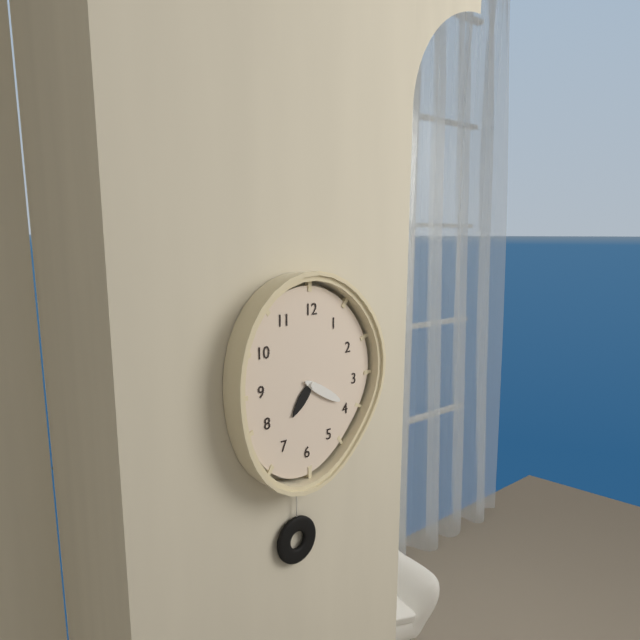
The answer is 7h20
